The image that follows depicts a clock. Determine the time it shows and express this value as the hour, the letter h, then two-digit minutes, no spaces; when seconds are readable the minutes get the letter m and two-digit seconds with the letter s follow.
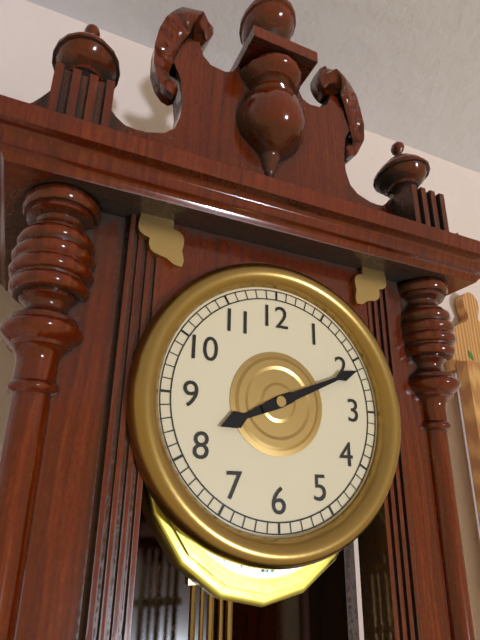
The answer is 8h11
